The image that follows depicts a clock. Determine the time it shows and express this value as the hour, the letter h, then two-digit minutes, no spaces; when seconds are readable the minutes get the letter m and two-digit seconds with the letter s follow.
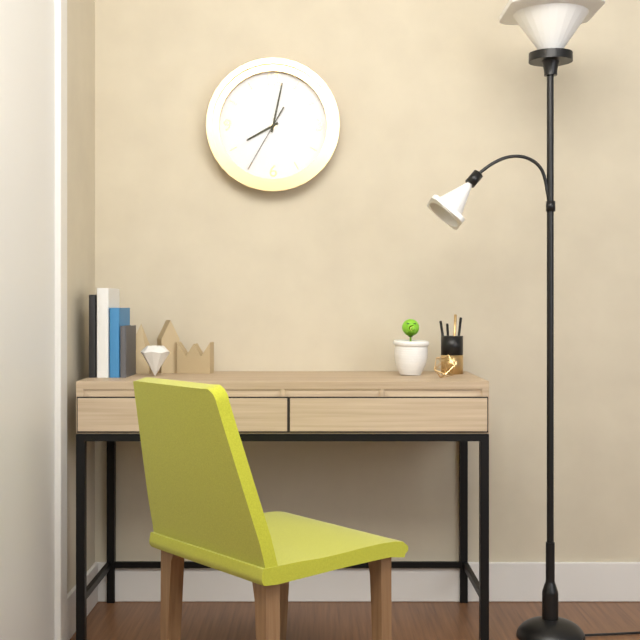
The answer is 8h02m35s
